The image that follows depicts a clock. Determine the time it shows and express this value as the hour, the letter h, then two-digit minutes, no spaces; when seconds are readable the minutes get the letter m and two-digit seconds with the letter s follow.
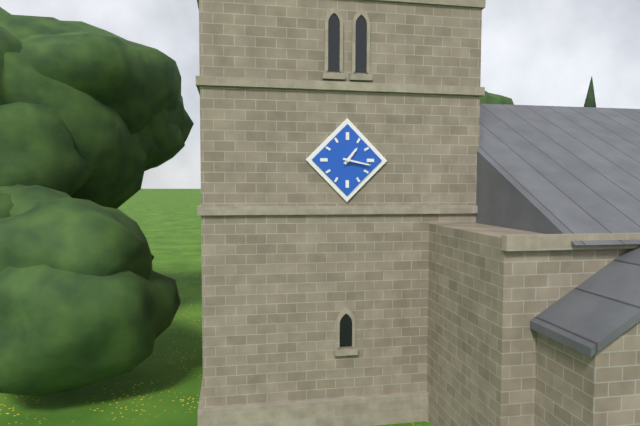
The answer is 1h17
